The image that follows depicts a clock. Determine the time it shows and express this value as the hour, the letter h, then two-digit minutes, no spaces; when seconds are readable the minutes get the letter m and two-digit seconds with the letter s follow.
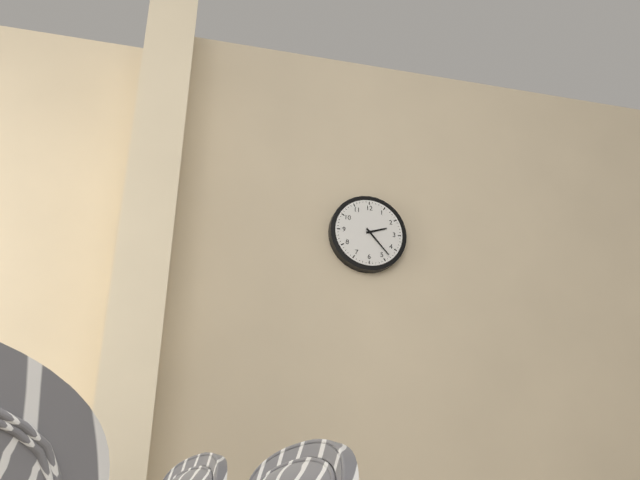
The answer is 2h23
